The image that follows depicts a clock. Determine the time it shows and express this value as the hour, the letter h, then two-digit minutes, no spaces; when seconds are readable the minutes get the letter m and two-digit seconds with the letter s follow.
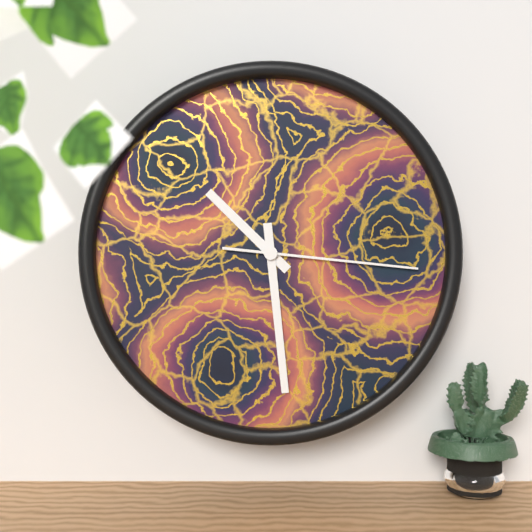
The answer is 10h29m16s
